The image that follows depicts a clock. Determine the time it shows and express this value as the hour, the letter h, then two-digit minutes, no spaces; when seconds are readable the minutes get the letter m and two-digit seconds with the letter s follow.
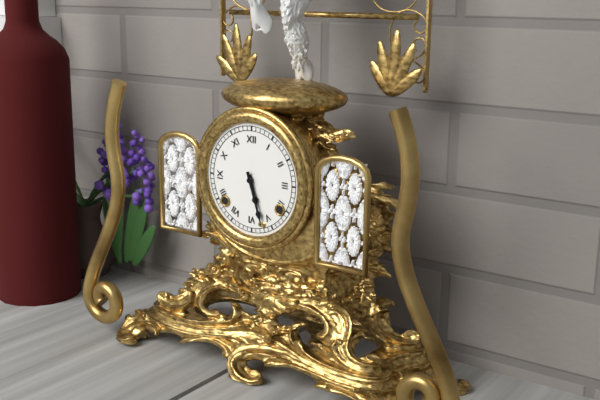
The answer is 5h27
